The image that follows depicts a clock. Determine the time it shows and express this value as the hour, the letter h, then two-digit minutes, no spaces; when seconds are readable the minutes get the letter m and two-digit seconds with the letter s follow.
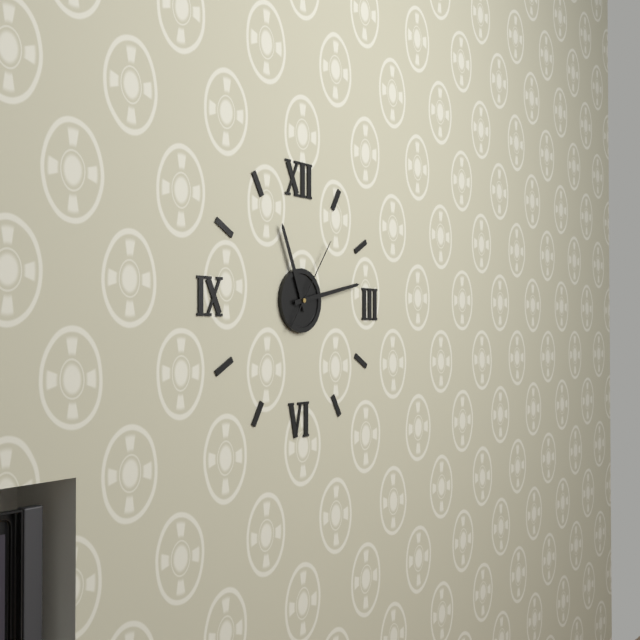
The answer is 11h13m06s
